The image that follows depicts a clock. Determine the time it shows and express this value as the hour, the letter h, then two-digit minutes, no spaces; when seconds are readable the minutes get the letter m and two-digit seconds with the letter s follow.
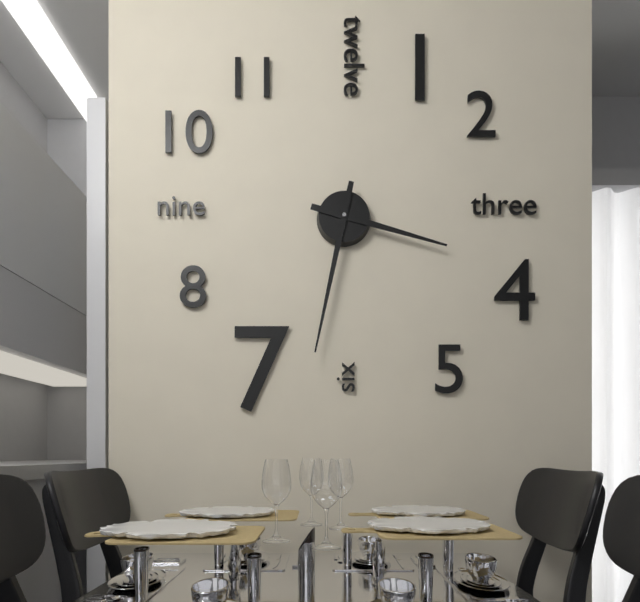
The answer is 3h32
